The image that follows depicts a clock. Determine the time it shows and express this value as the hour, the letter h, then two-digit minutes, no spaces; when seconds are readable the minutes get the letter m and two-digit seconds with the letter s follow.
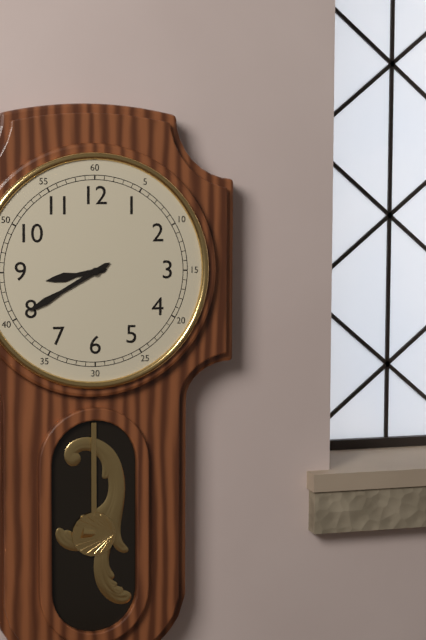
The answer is 8h40
